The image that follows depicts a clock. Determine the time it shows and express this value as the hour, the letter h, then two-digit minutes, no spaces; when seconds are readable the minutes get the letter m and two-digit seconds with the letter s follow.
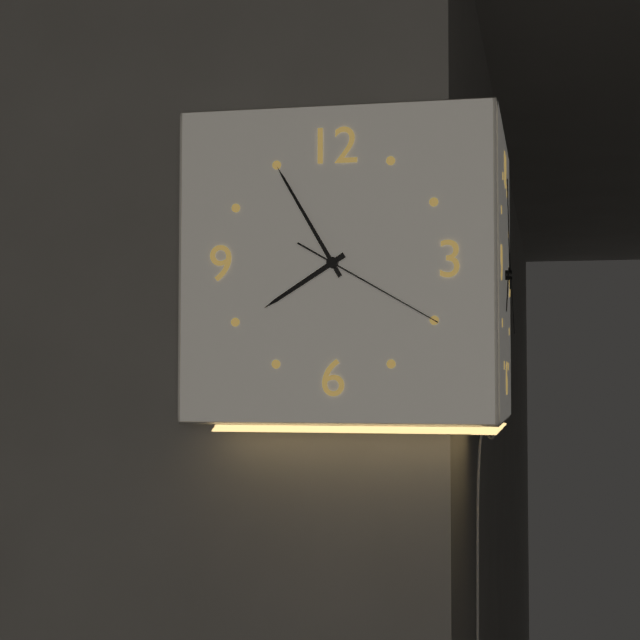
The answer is 7h55m20s
